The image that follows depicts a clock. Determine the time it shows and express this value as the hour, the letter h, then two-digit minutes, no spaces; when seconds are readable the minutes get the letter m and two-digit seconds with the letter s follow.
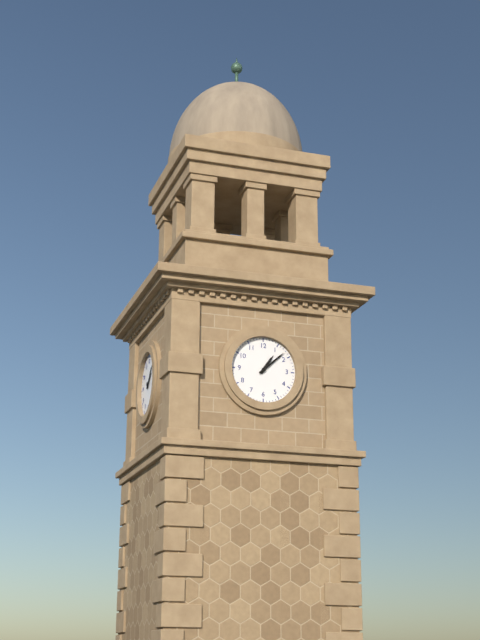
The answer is 1h08
